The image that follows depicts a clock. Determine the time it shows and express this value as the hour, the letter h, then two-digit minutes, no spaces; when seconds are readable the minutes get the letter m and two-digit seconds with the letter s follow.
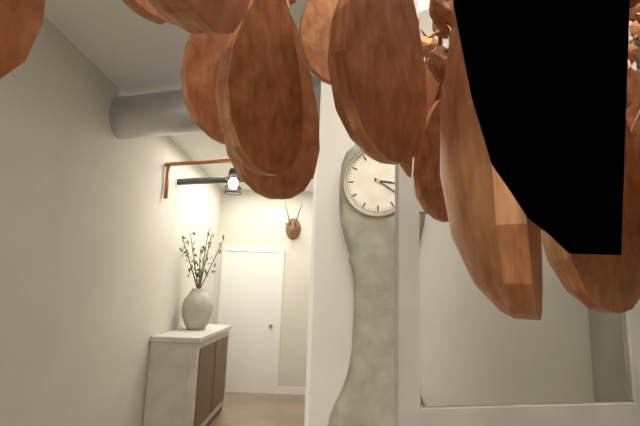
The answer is 3h21
